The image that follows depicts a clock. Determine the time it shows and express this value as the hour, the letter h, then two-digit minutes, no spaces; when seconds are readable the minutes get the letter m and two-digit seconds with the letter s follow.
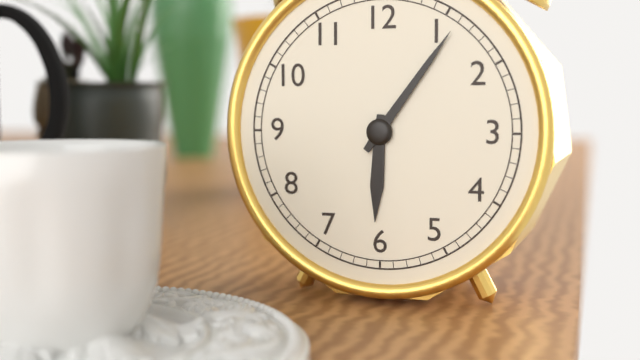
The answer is 6h06
